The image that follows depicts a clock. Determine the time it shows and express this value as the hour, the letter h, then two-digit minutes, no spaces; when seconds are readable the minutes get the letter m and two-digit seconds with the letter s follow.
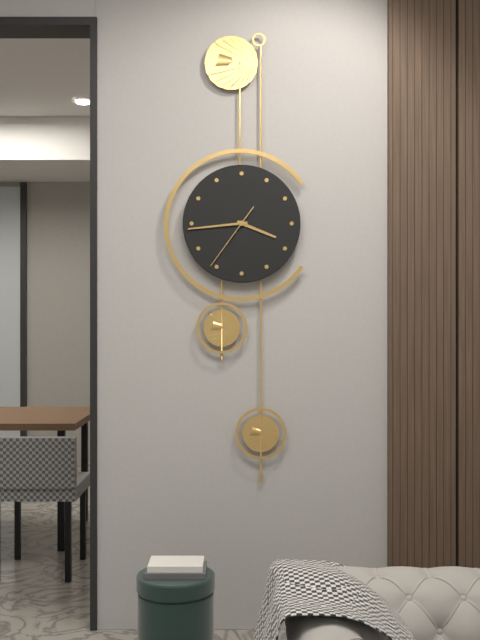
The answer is 3h44m36s
